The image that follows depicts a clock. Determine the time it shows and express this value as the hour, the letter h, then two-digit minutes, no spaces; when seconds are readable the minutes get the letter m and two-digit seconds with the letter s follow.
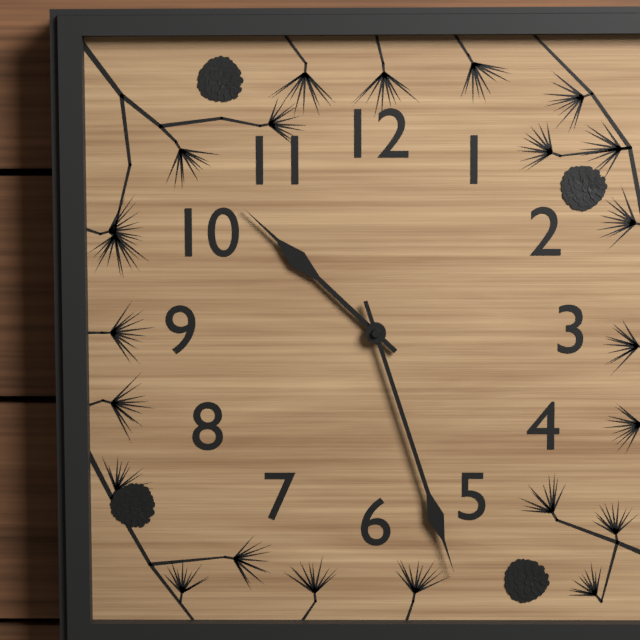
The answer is 10h27
